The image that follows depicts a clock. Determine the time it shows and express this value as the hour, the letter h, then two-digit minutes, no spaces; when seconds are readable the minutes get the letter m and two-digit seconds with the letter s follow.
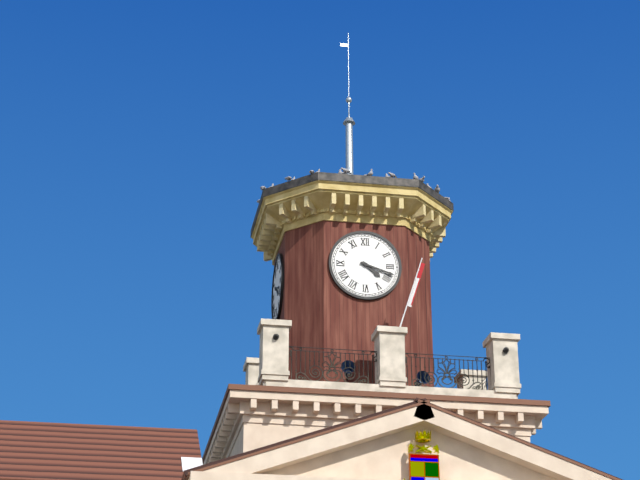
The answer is 4h18
